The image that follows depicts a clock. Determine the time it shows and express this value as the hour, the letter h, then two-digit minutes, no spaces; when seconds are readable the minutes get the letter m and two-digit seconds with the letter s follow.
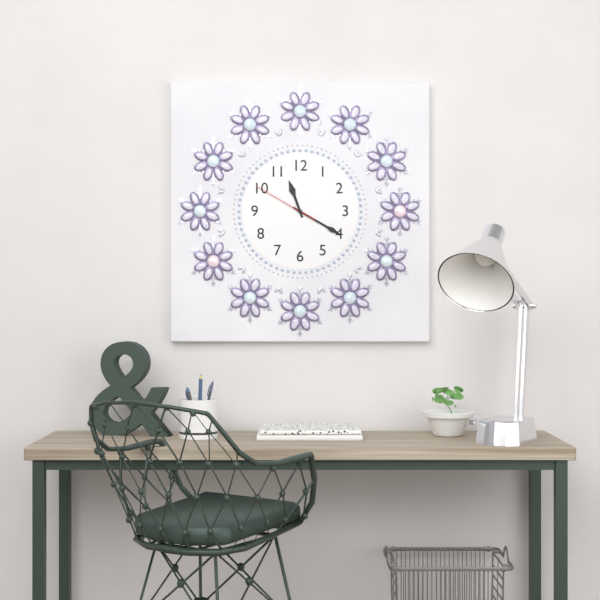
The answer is 11h20m50s
